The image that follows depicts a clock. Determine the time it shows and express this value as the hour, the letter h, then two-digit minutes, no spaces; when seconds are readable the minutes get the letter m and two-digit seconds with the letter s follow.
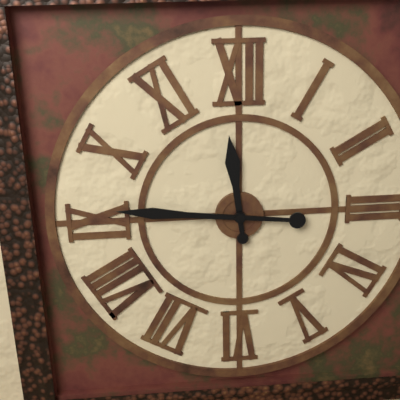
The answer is 11h46
